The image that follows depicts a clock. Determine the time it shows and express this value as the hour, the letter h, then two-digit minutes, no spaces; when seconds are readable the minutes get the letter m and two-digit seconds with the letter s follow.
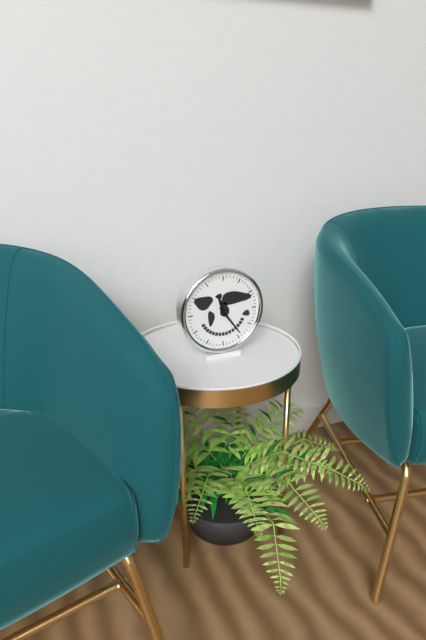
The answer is 11h24
